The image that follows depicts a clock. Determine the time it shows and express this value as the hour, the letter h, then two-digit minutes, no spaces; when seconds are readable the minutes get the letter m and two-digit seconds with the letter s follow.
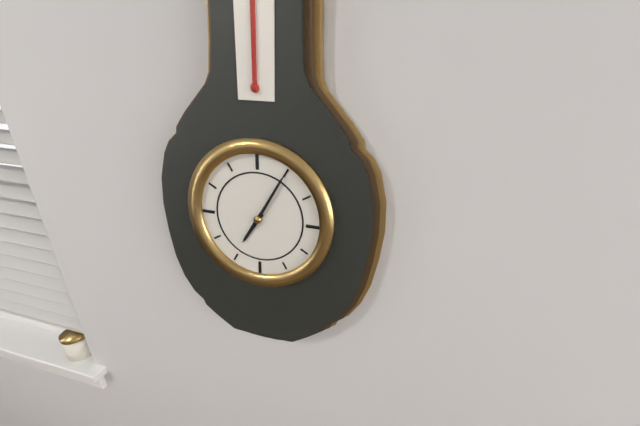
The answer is 7h05
